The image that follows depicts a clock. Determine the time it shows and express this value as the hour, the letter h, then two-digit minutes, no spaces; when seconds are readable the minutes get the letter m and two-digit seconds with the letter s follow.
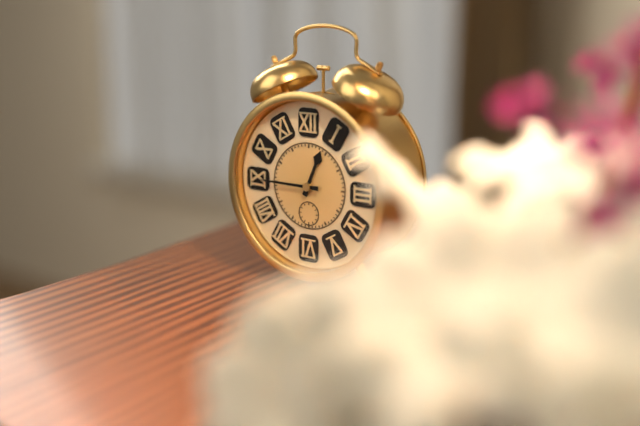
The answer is 12h45
